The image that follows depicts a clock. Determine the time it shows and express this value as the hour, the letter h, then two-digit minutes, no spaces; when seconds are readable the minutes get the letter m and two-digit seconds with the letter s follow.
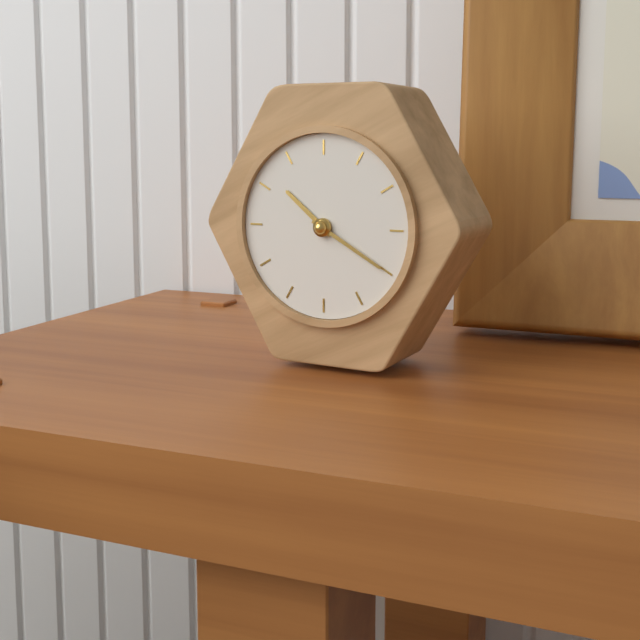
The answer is 10h20
